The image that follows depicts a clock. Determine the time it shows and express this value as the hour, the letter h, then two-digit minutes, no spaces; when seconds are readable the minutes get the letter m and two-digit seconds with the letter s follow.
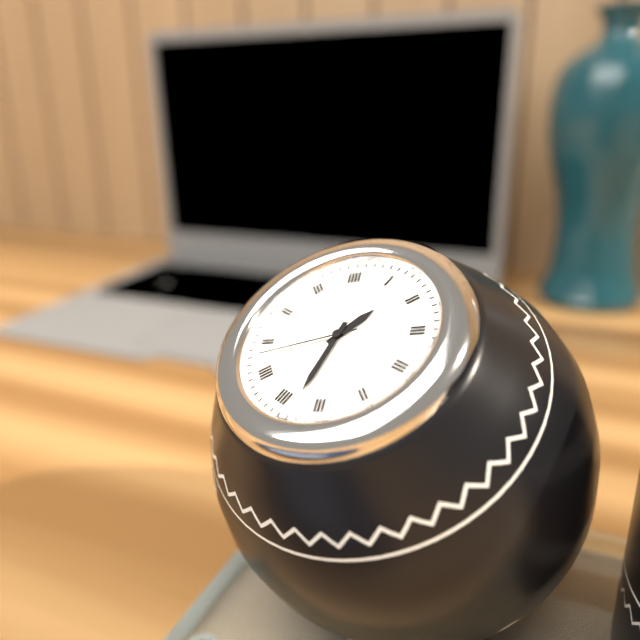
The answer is 1h33m43s
